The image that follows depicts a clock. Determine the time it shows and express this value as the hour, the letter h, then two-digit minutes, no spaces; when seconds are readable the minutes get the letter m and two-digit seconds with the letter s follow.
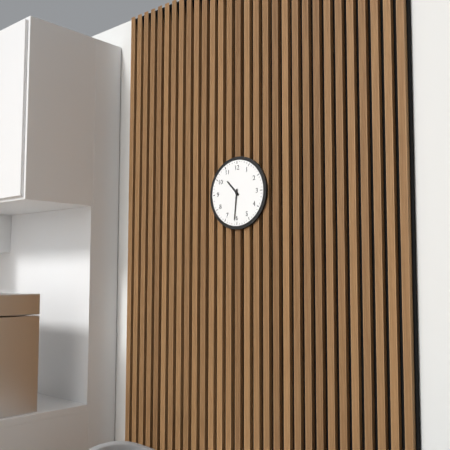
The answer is 10h31
